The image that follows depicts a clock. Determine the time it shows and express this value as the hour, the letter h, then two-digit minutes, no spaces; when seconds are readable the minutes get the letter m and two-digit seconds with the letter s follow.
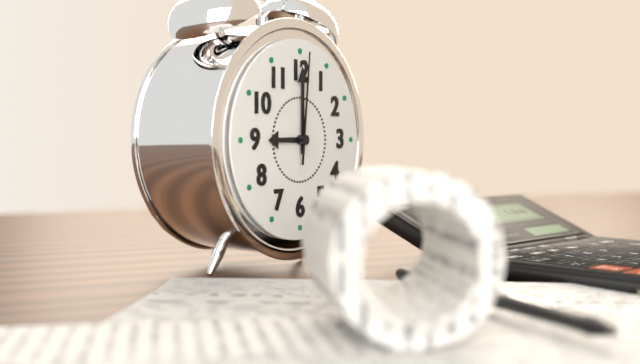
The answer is 9h00m01s
